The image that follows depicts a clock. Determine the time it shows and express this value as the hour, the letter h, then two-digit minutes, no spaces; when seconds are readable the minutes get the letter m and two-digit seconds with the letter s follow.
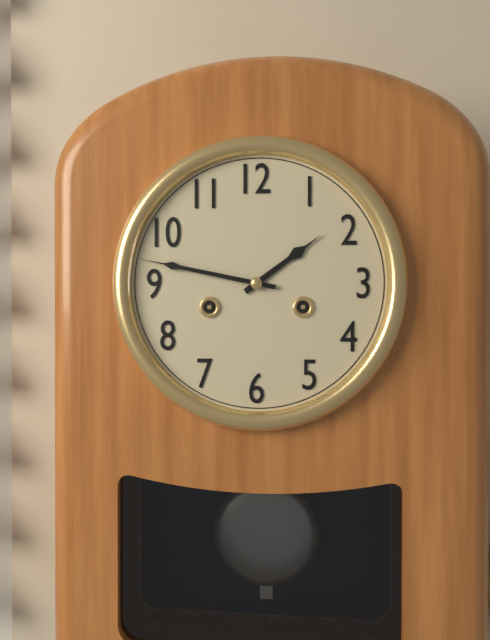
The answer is 1h47
